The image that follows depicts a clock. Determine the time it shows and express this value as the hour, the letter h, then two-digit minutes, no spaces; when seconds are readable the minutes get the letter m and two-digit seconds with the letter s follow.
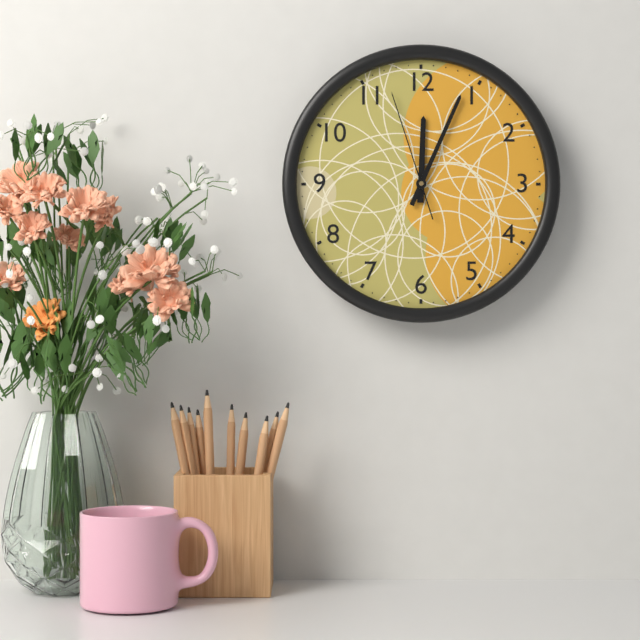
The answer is 12h04m57s
